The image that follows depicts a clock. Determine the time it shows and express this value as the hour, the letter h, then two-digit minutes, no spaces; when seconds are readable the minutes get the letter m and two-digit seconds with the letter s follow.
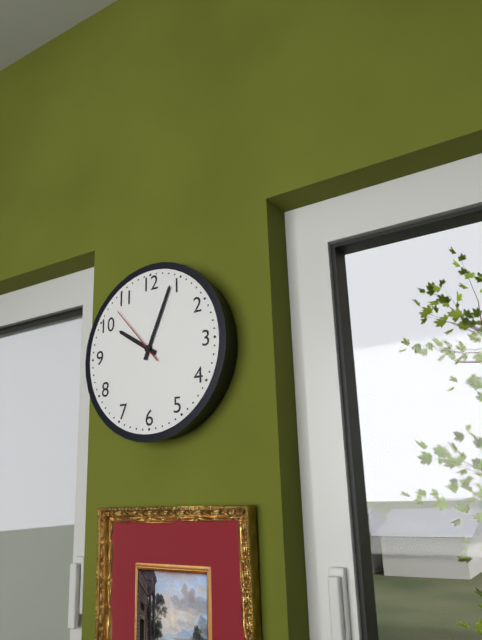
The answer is 10h04m53s
